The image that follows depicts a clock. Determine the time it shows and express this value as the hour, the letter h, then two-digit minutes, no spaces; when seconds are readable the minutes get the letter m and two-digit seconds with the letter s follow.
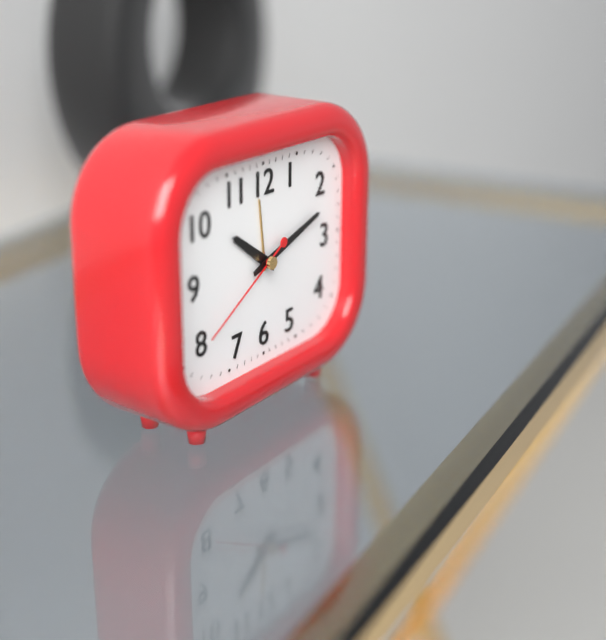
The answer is 10h12m40s
